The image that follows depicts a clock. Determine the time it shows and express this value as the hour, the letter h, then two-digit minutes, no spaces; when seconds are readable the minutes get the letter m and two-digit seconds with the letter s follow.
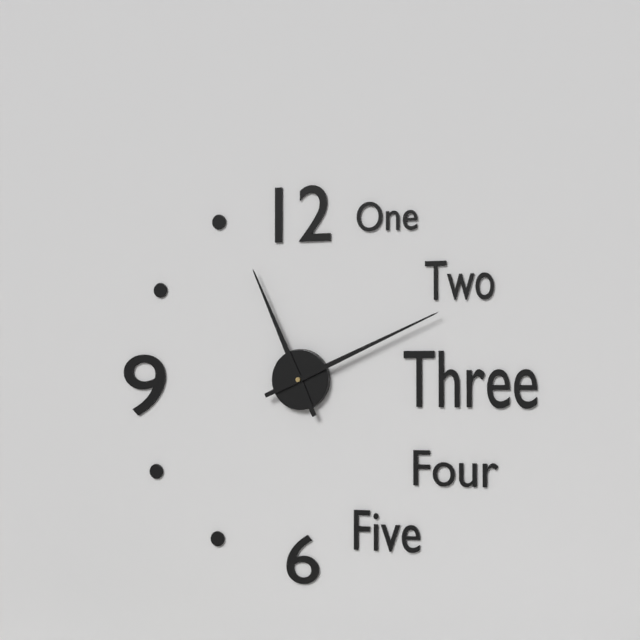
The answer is 11h11
